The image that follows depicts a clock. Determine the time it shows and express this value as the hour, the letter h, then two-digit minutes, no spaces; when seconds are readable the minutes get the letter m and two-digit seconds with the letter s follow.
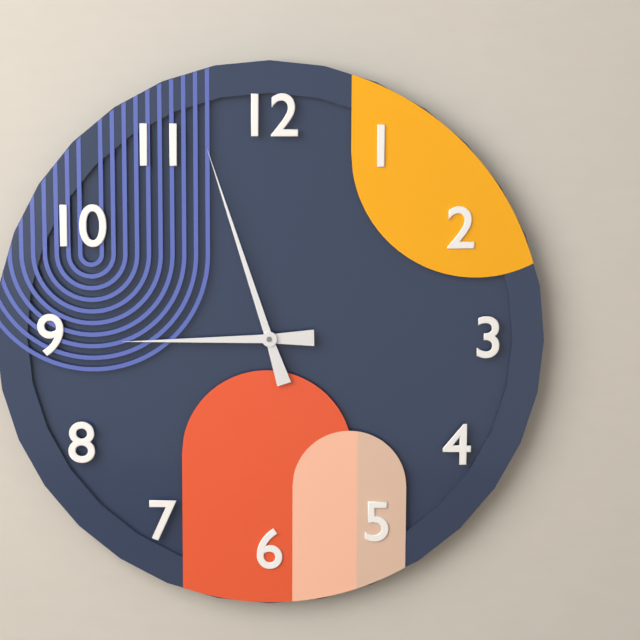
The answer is 8h57
